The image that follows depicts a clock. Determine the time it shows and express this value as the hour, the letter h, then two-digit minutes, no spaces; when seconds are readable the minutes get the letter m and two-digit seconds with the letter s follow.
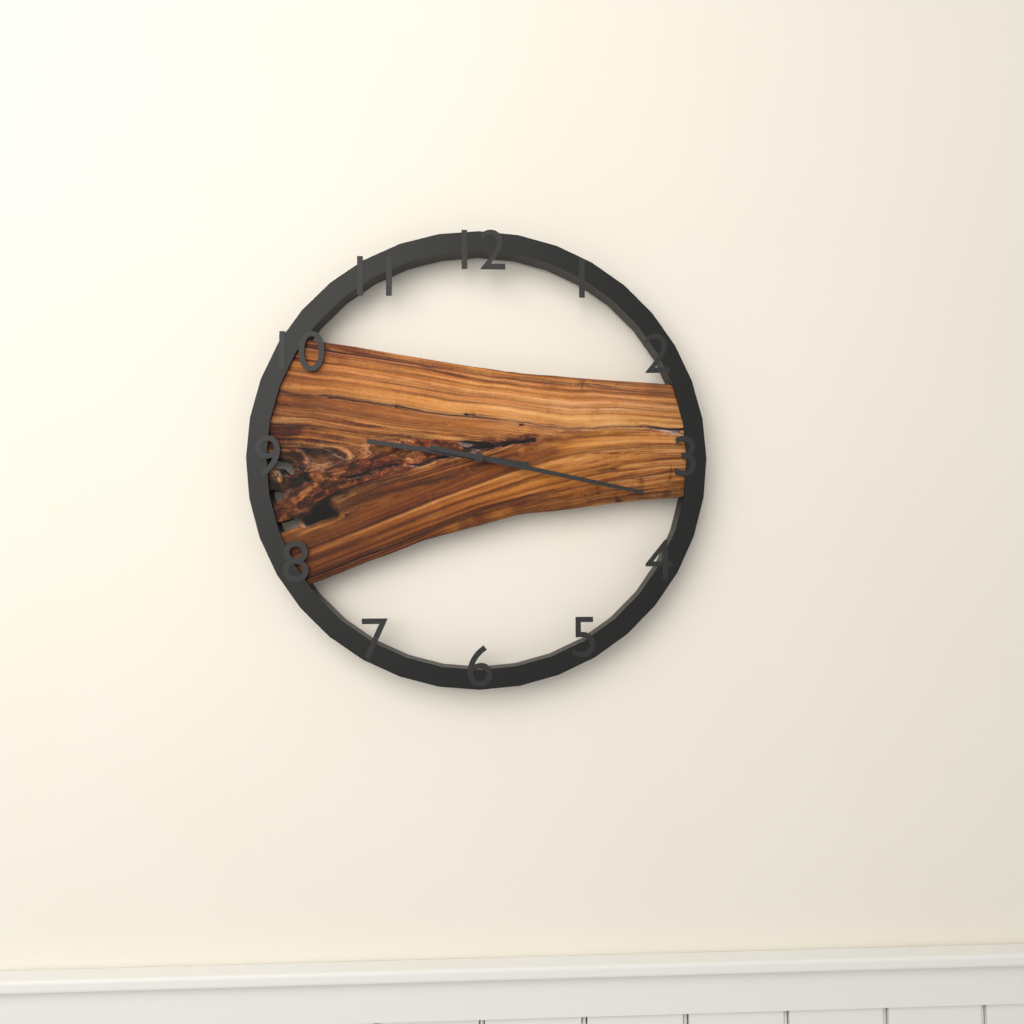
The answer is 9h17
